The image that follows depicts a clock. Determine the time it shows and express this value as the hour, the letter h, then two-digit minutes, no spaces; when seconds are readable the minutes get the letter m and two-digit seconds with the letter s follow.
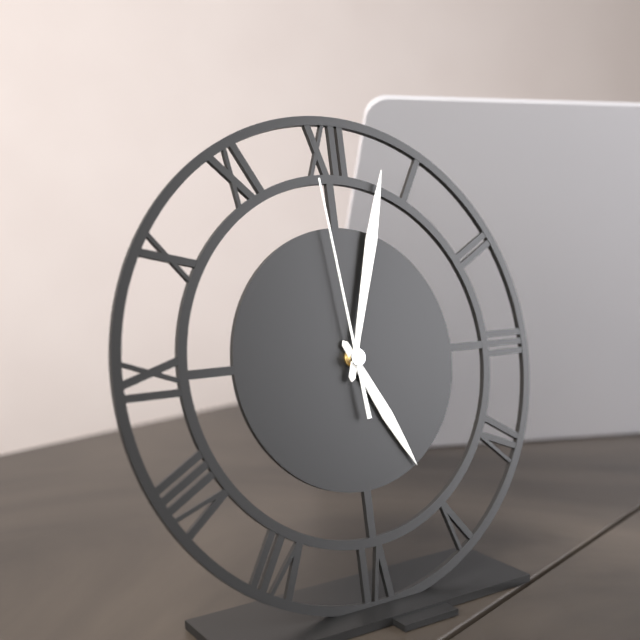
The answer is 5h03m59s
